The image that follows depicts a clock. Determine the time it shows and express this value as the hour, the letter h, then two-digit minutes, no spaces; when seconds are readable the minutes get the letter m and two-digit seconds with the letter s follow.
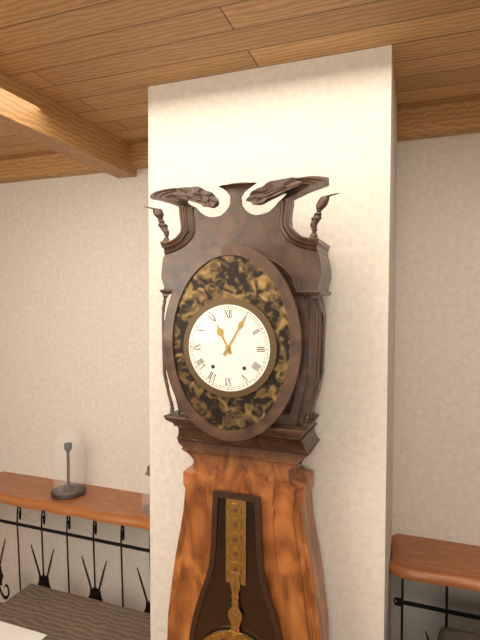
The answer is 11h05
